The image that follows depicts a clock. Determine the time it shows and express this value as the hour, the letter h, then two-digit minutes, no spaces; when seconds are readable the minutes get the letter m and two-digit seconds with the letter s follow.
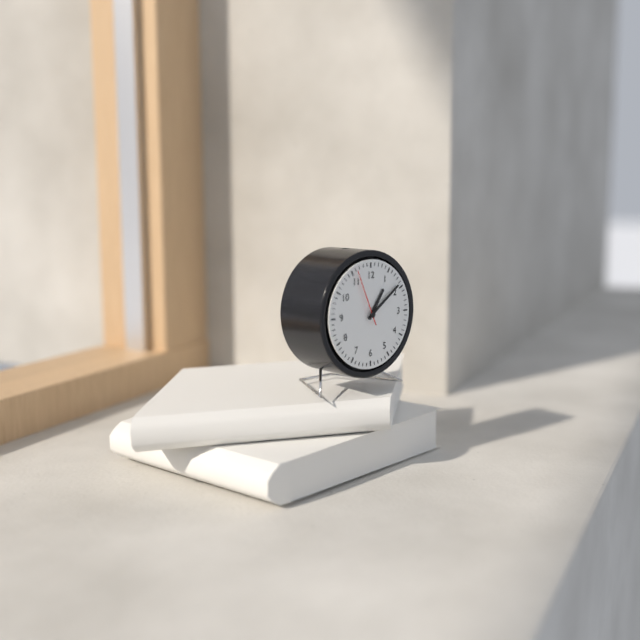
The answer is 1h09m56s
